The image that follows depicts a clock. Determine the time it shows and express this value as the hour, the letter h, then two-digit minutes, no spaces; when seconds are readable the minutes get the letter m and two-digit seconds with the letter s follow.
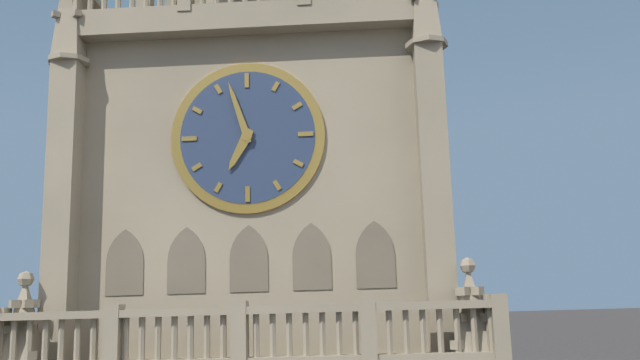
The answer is 6h57
